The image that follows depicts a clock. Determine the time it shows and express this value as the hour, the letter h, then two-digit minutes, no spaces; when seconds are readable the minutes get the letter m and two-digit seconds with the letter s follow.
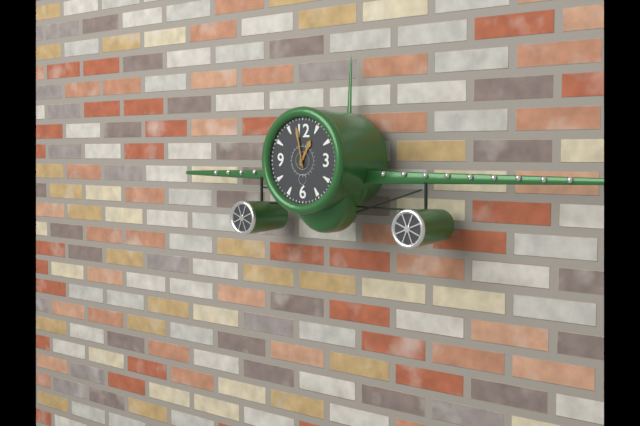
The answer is 12h58
